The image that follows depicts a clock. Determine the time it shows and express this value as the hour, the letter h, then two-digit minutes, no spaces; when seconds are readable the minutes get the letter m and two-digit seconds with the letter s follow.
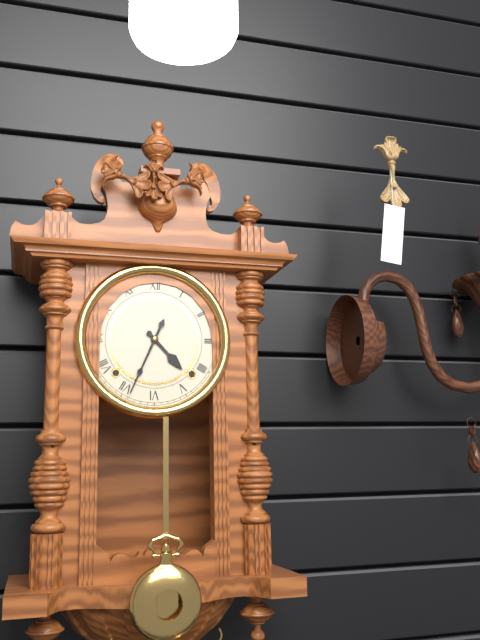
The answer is 4h34
